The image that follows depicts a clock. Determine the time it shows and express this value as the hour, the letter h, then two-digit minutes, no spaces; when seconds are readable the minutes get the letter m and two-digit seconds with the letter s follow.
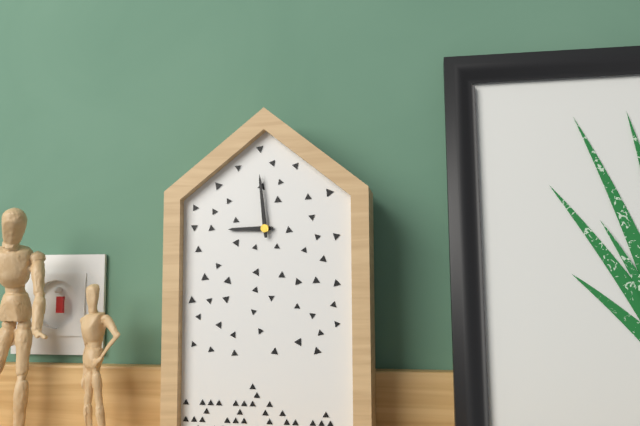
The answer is 8h59
